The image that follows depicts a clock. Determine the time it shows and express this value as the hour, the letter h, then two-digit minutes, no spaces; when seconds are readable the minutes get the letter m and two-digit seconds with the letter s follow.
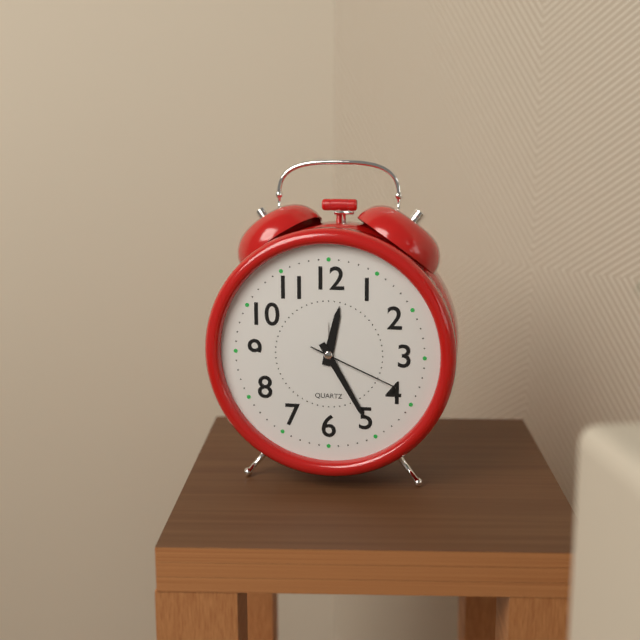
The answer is 12h25m19s
